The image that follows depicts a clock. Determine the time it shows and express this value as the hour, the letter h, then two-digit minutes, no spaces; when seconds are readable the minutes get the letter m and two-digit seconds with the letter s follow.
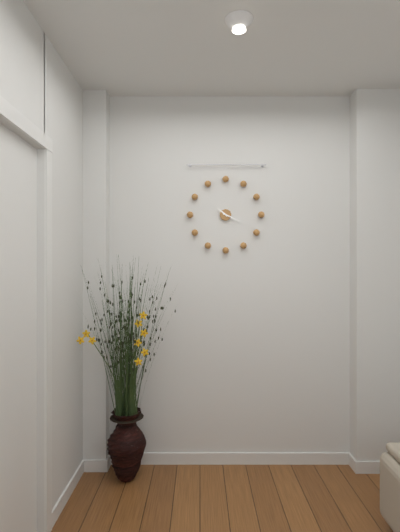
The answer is 10h19
